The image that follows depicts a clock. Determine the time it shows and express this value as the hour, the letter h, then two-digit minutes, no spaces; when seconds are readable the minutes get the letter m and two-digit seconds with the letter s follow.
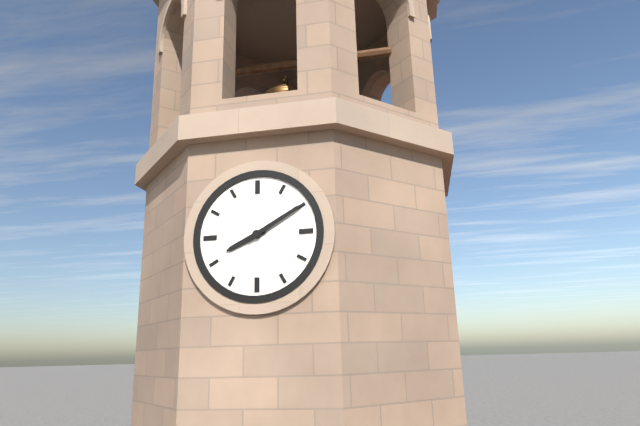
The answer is 8h10
